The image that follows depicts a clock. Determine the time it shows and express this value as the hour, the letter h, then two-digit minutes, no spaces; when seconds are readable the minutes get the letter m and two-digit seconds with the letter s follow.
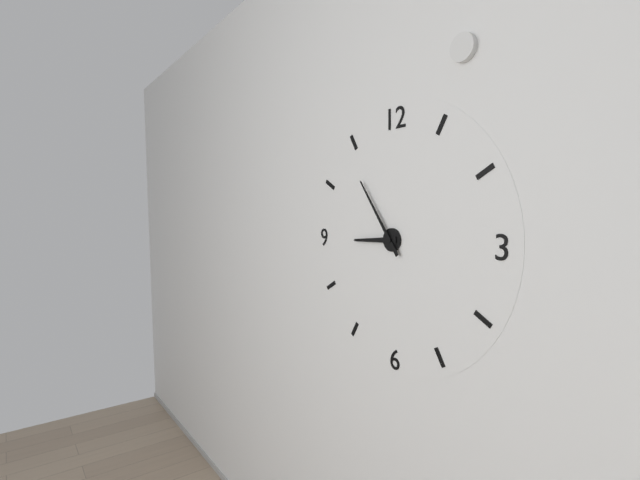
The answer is 8h54
